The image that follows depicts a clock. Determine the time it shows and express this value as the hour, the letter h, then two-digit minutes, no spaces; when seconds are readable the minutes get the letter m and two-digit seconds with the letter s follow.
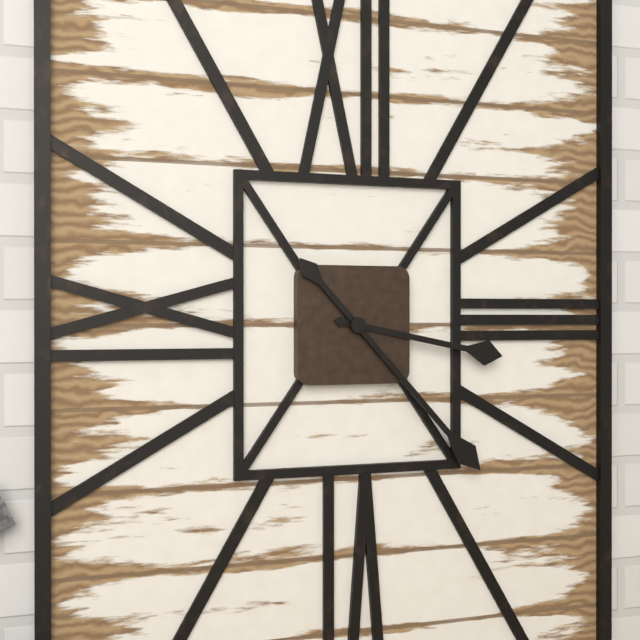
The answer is 3h23
